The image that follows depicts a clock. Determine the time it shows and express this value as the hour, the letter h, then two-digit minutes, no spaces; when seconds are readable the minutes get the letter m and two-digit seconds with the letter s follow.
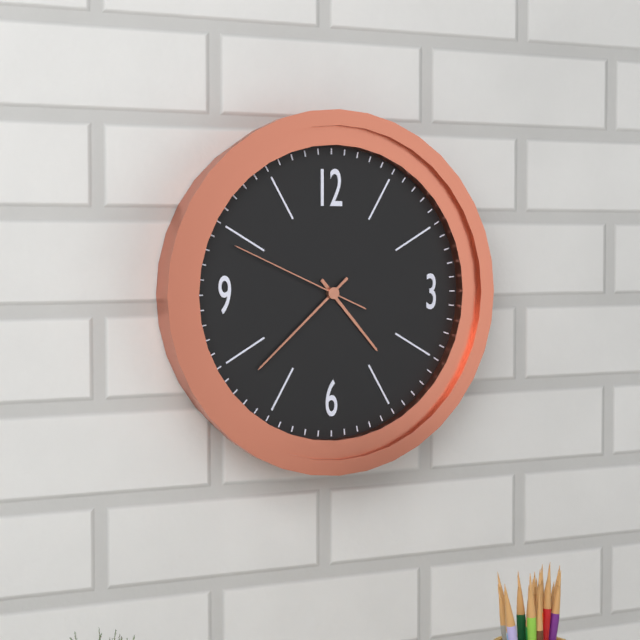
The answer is 4h38m49s
